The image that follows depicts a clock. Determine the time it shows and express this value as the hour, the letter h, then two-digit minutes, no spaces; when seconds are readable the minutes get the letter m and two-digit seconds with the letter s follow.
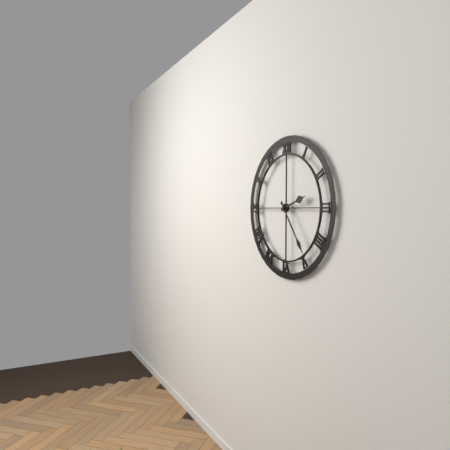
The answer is 2h24
